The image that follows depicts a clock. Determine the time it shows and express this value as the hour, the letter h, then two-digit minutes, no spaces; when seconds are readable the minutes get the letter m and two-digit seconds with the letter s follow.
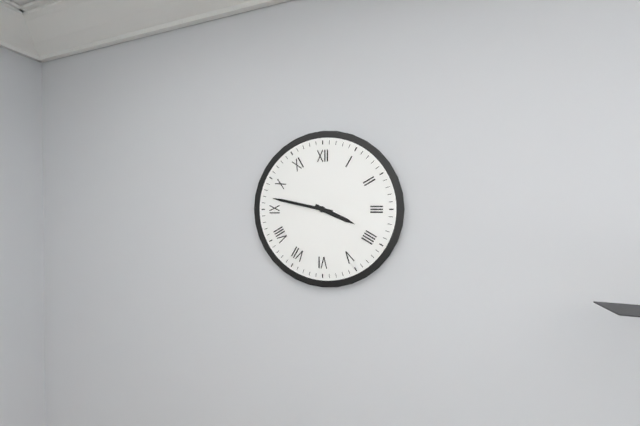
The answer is 3h47
